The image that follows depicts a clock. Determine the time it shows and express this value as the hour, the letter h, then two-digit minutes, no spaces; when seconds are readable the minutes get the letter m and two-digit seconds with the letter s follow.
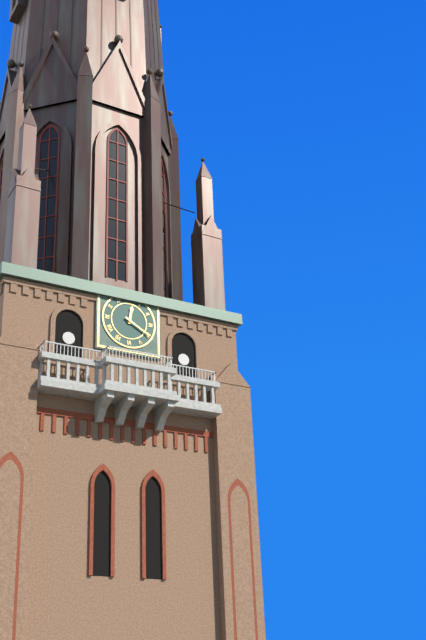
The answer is 12h20
